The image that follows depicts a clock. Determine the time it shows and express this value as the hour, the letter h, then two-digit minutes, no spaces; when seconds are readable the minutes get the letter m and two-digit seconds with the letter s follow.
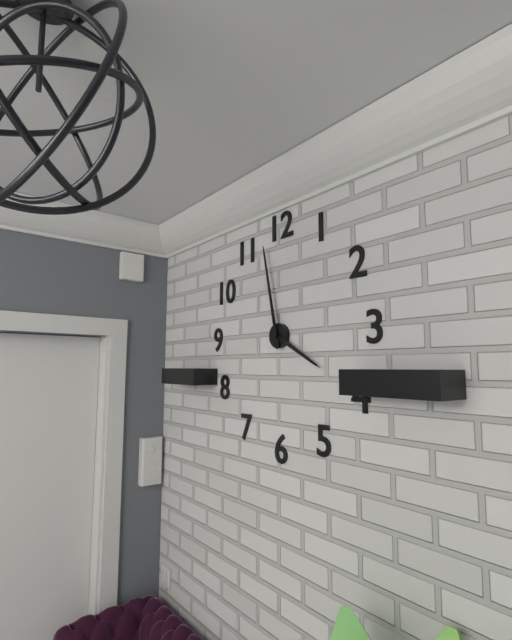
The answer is 3h58
